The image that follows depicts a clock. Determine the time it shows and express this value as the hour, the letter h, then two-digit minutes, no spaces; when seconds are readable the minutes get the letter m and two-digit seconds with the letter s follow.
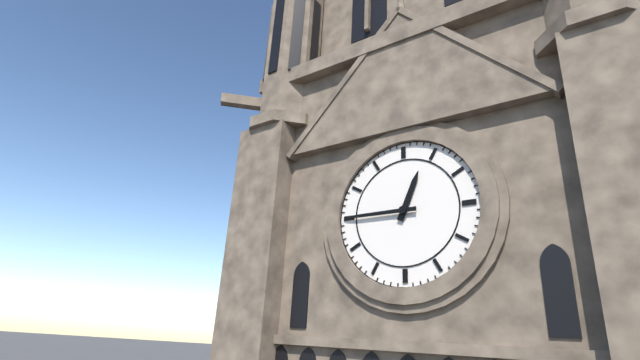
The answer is 12h45
